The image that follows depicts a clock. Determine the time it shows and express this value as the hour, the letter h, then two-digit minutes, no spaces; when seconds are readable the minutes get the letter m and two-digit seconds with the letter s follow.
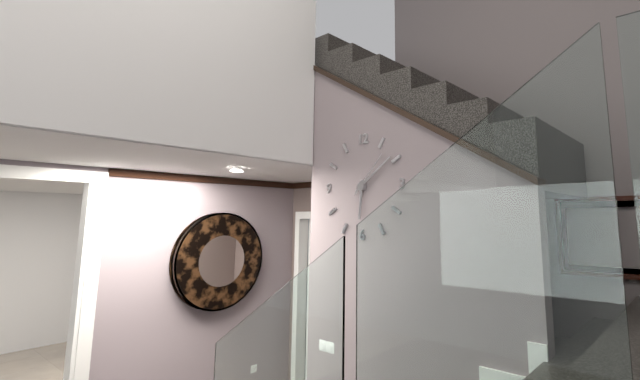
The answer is 6h09
